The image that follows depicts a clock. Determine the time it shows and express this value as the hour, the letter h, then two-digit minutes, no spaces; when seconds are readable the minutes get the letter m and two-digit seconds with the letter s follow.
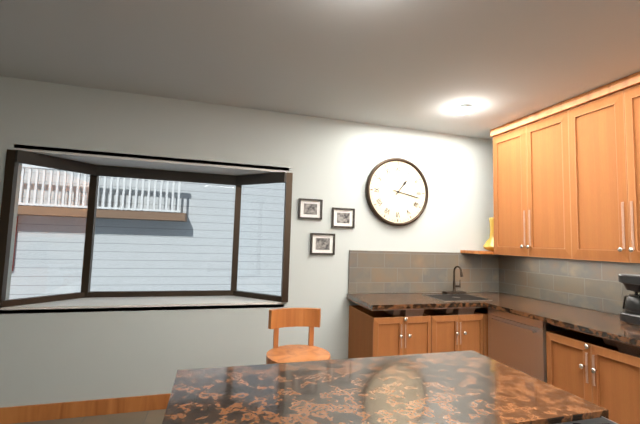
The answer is 1h17
